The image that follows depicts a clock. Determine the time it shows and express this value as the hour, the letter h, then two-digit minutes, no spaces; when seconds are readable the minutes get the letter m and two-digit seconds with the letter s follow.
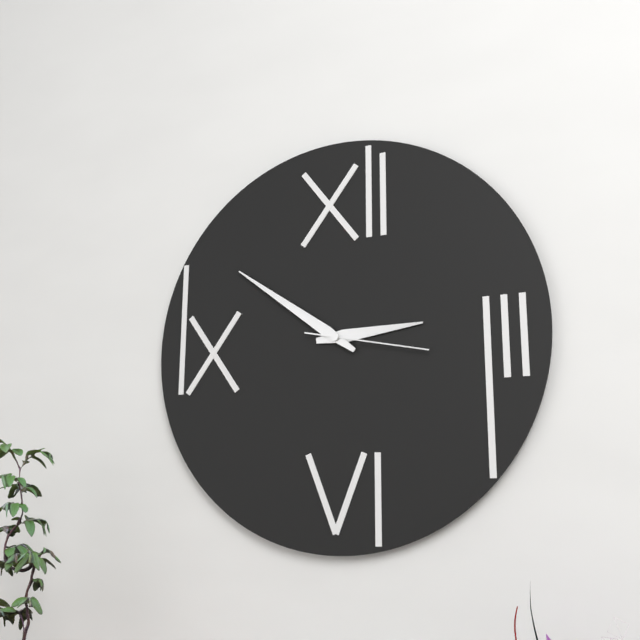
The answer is 2h51m17s
